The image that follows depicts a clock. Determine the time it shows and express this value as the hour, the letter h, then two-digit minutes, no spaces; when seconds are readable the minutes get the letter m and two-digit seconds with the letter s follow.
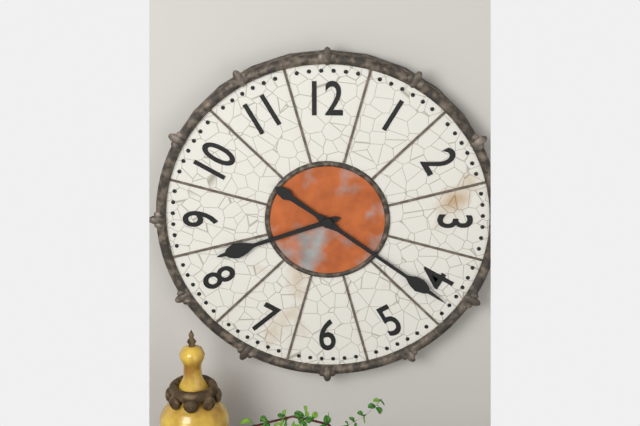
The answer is 8h21
